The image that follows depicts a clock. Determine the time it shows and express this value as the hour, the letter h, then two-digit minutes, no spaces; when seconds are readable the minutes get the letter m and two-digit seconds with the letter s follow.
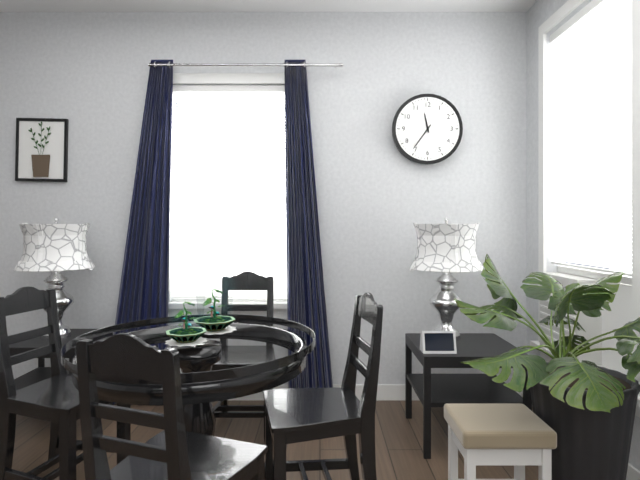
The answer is 11h36
